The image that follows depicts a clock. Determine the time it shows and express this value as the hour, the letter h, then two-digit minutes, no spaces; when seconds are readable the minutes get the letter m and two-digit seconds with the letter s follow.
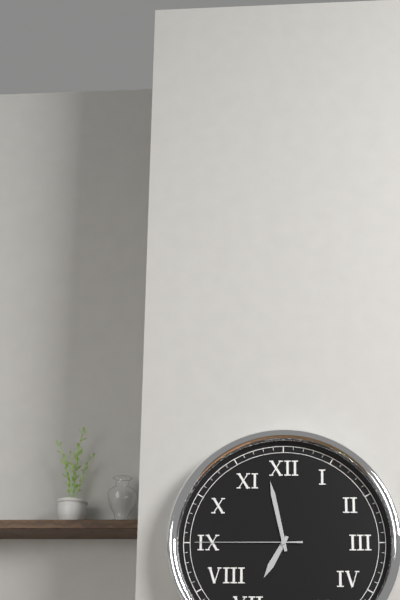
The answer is 6h58m45s
